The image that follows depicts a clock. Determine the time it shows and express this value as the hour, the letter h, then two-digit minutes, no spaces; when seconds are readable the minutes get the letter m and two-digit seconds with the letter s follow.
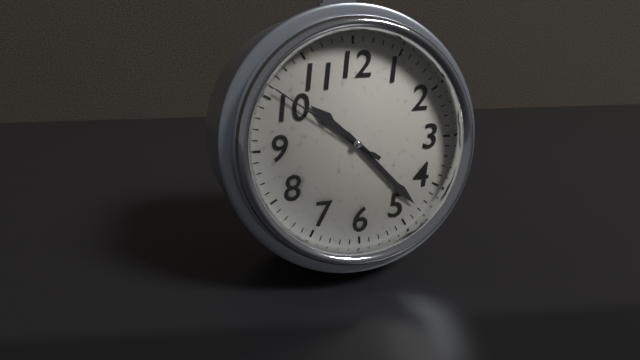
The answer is 10h23m51s
